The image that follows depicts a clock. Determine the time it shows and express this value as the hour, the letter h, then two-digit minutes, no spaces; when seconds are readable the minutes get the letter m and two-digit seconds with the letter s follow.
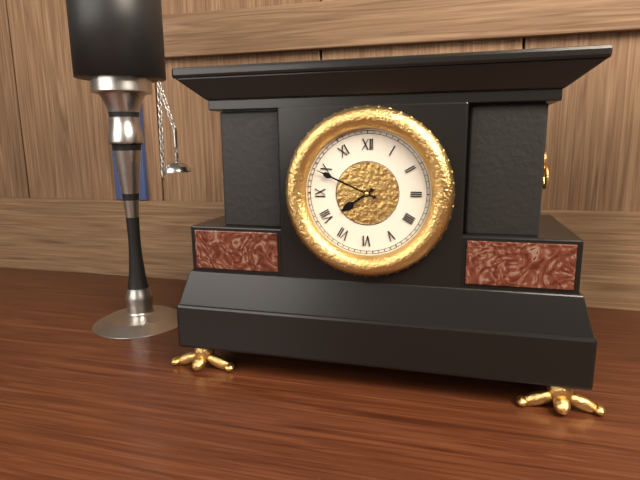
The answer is 7h49
